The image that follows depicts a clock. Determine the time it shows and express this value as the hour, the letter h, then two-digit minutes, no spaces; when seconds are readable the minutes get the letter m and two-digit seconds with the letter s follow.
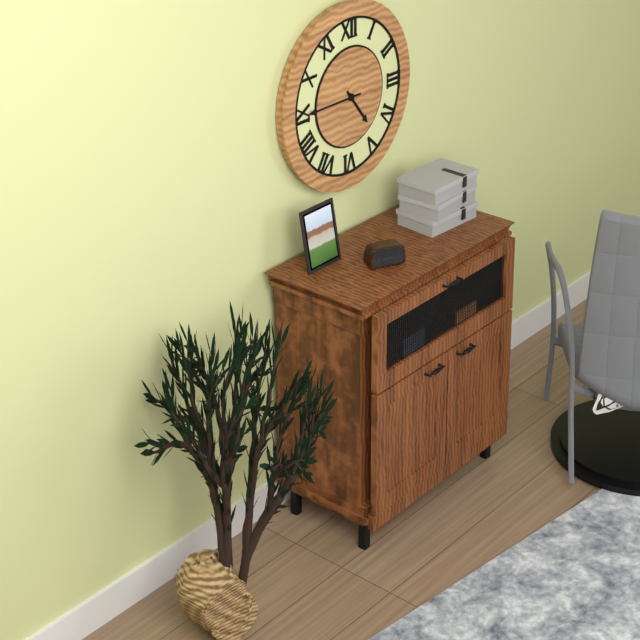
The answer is 4h45
